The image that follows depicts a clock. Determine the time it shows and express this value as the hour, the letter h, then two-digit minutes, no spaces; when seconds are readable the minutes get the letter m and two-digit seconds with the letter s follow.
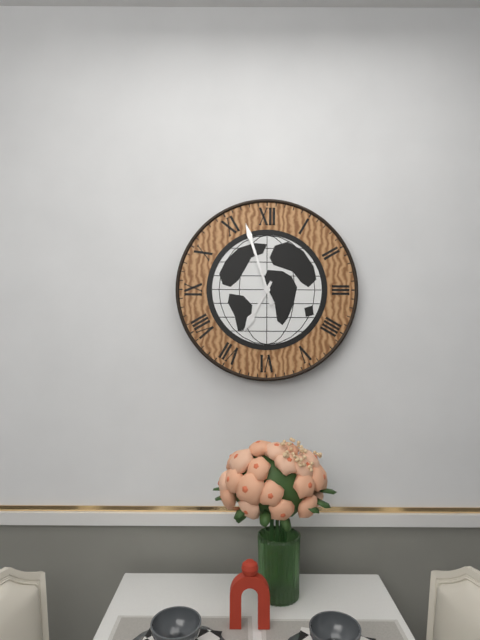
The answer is 6h57
